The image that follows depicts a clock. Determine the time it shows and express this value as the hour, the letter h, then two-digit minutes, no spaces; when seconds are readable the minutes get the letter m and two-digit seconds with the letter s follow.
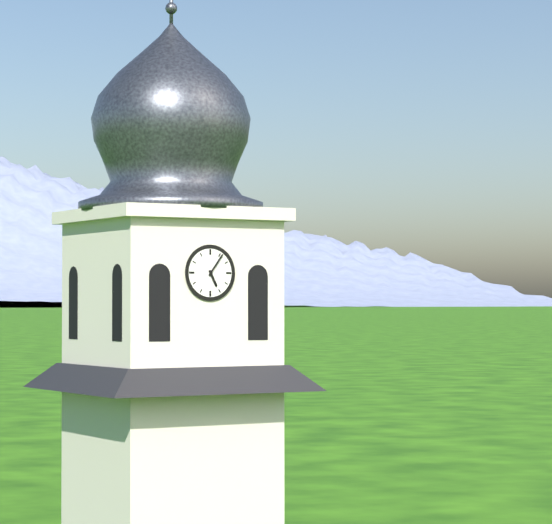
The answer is 5h06
